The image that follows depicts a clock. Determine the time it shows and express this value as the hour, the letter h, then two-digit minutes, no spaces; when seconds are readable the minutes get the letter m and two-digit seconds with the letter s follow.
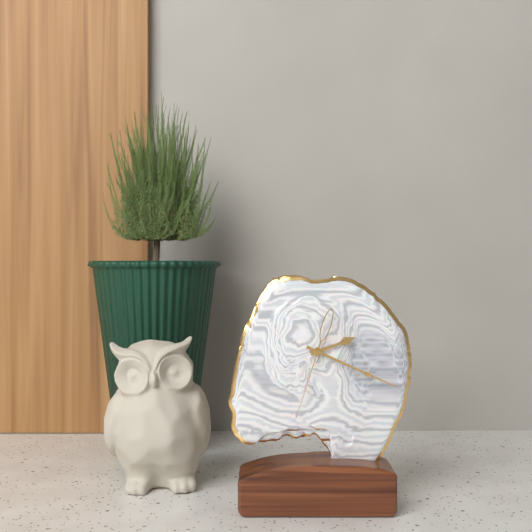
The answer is 2h19m33s
